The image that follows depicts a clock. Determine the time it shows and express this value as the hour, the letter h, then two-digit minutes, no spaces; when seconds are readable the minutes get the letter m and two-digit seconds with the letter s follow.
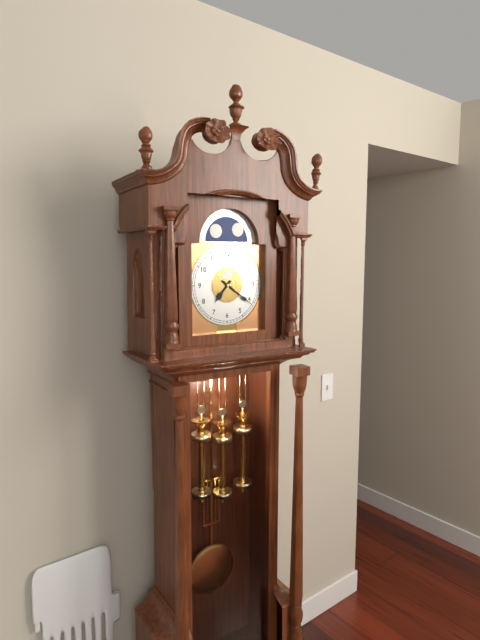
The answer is 7h21
